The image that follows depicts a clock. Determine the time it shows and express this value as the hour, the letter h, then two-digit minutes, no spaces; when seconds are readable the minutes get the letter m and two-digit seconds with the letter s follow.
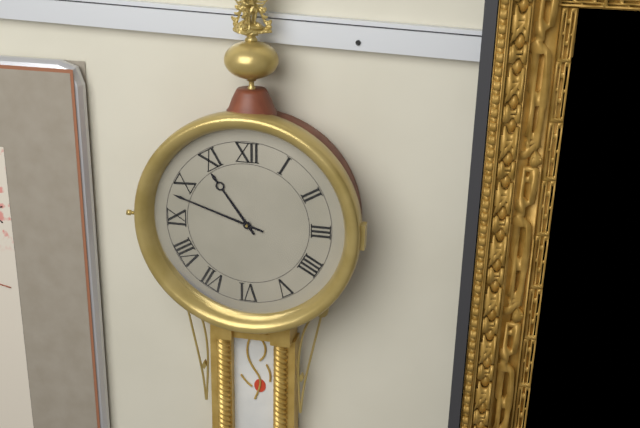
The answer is 10h48
